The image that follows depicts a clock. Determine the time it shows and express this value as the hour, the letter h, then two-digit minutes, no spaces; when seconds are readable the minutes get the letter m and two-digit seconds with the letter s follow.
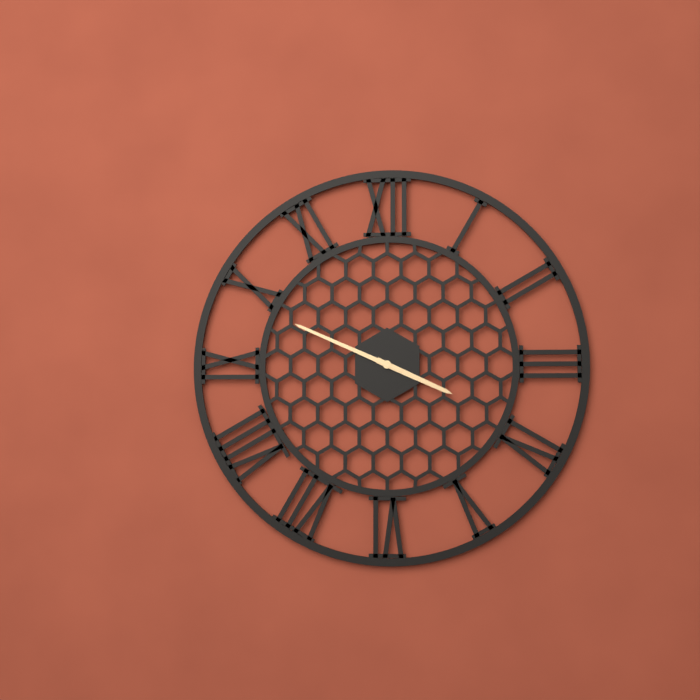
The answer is 3h49
